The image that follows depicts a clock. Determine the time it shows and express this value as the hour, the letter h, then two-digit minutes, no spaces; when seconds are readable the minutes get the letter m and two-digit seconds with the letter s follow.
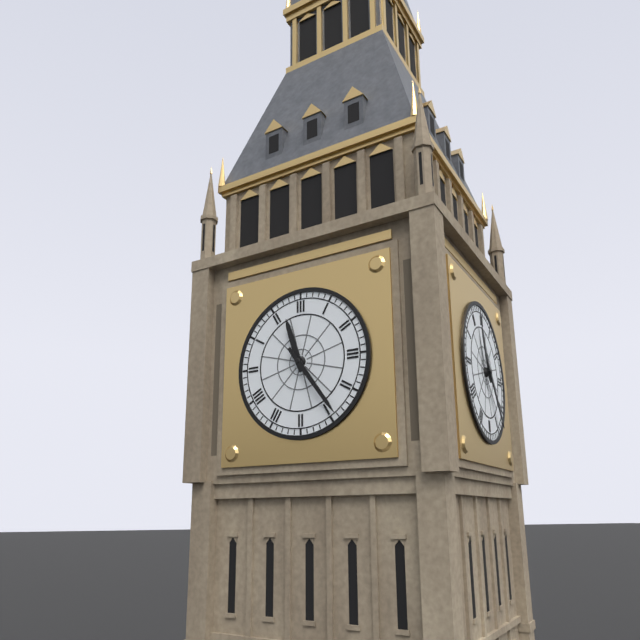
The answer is 11h24
